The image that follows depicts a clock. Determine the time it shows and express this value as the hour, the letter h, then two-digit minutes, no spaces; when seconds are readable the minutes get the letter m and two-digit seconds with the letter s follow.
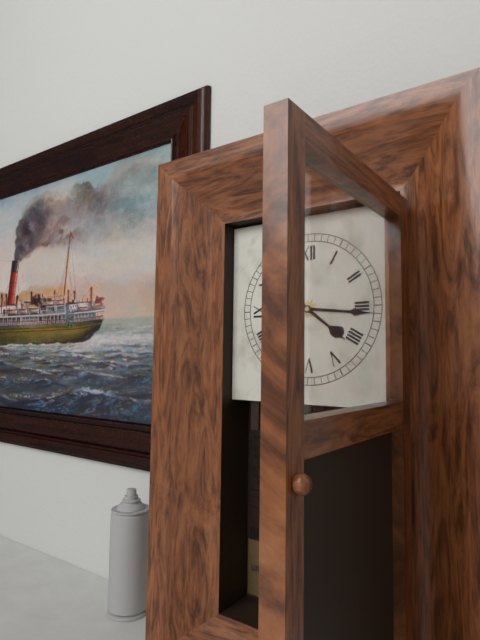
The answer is 4h16
